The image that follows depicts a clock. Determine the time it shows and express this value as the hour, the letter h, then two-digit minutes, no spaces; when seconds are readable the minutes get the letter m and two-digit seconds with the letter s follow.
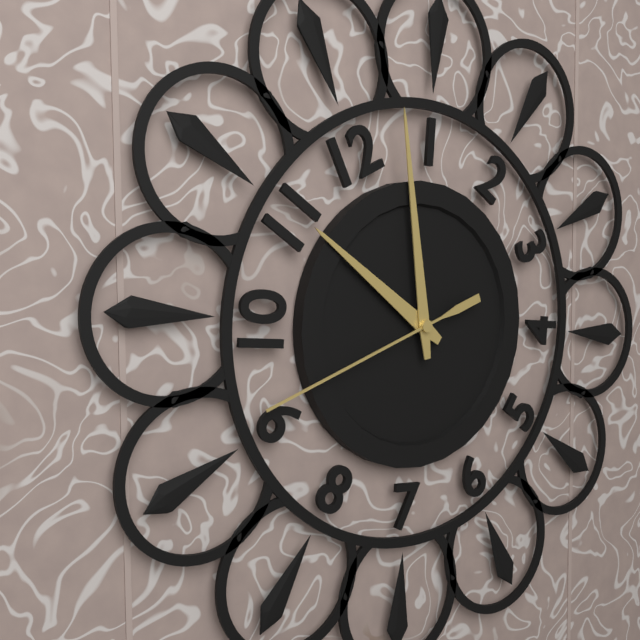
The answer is 11h03m46s
